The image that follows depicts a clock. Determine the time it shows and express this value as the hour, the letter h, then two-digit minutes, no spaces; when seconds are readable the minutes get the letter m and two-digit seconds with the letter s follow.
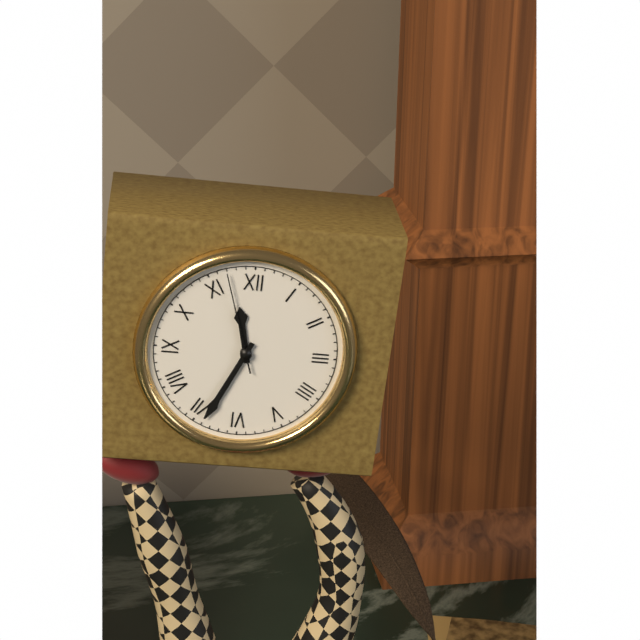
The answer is 11h34m57s
